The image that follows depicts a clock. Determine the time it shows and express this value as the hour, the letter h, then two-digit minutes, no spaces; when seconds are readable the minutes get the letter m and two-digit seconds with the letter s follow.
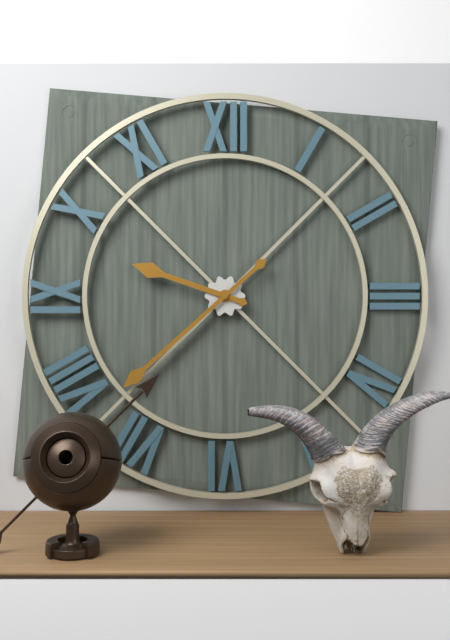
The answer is 9h38
